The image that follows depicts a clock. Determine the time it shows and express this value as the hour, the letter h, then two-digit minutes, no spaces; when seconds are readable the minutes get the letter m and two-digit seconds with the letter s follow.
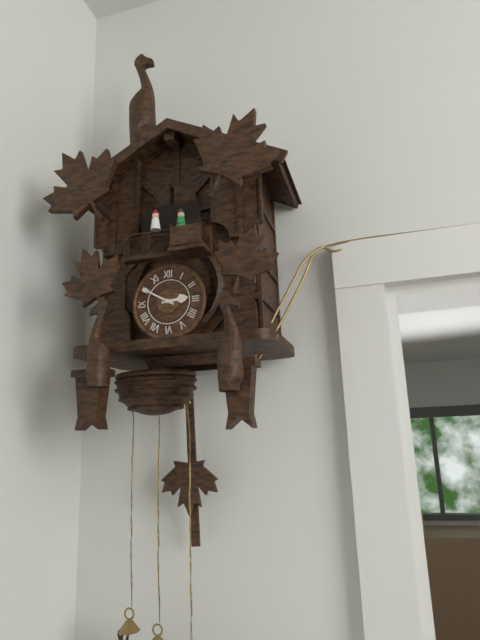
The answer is 2h50
